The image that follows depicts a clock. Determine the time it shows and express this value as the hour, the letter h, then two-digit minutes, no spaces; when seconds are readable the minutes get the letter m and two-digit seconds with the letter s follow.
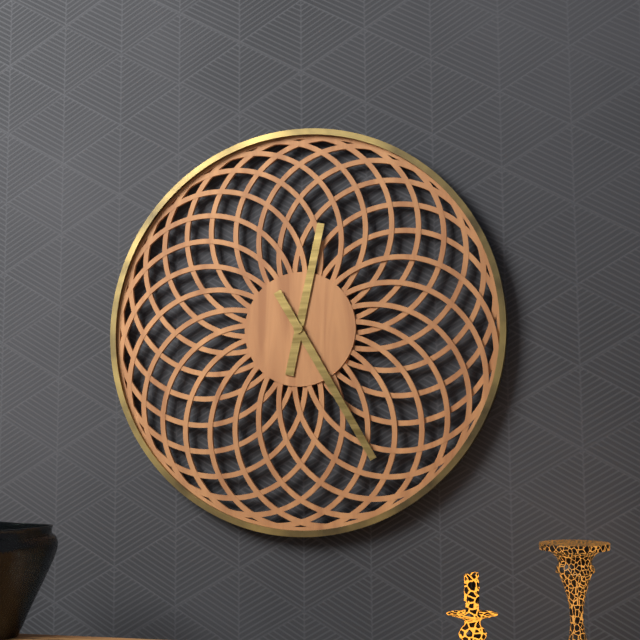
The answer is 12h25
